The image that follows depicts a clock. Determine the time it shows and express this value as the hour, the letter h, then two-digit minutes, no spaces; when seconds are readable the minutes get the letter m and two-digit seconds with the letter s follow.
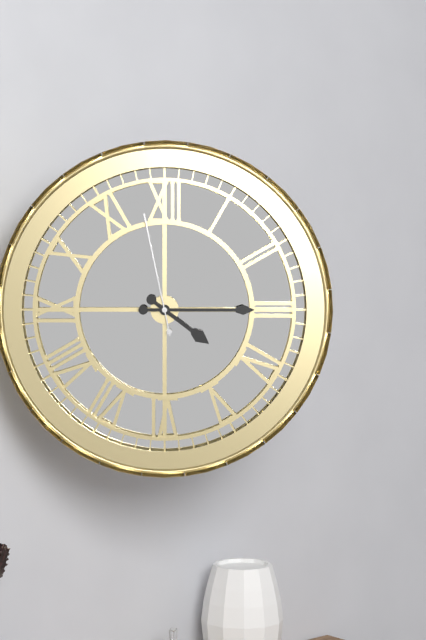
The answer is 4h15m58s
